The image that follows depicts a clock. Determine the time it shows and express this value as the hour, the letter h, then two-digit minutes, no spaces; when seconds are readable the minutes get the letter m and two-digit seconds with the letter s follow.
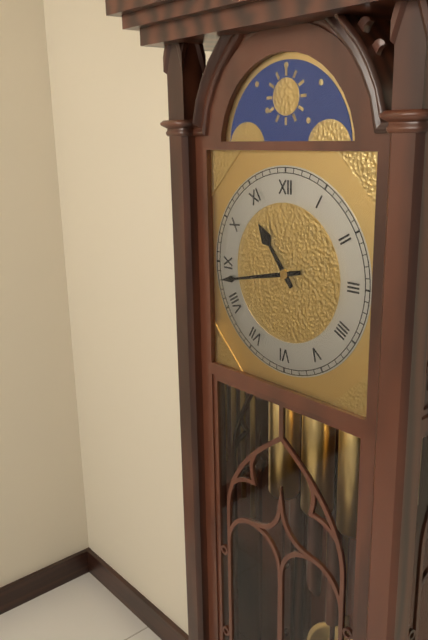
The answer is 10h43
